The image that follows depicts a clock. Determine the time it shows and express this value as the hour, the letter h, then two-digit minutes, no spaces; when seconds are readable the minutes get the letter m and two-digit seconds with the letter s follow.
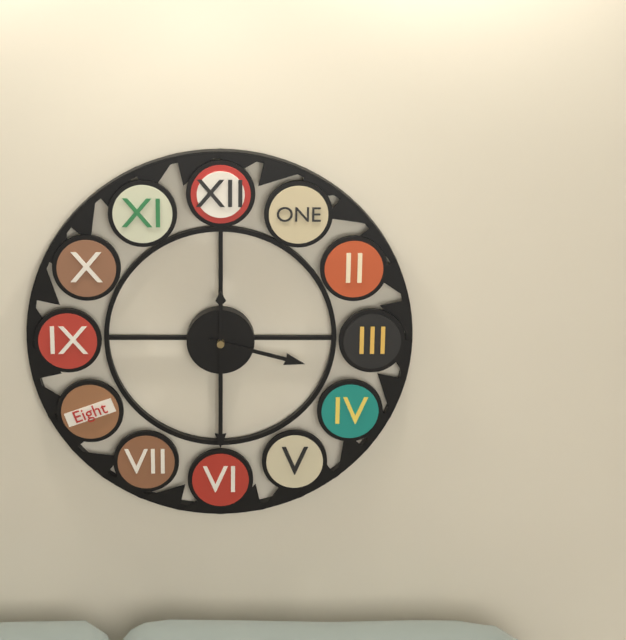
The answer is 3h30
